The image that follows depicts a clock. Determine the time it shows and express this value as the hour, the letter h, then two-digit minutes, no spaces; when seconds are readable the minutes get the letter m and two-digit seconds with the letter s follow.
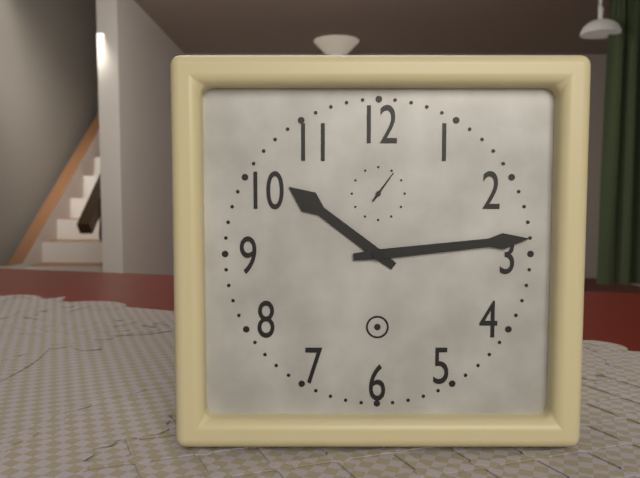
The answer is 10h14
